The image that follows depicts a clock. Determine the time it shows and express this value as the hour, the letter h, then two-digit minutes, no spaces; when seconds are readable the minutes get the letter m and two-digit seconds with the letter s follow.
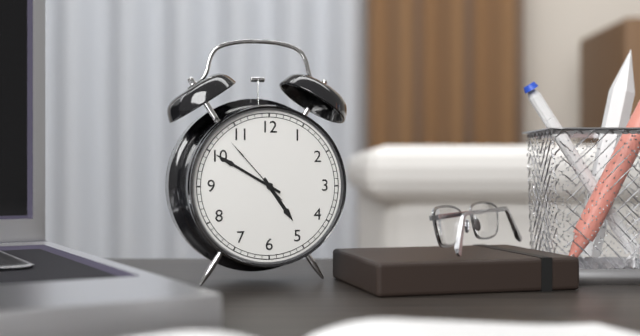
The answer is 4h50m53s
